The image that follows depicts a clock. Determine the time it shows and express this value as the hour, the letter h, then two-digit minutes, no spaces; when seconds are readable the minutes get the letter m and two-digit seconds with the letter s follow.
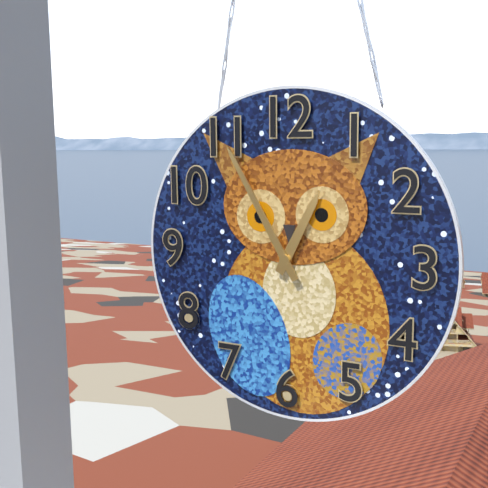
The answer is 12h55
